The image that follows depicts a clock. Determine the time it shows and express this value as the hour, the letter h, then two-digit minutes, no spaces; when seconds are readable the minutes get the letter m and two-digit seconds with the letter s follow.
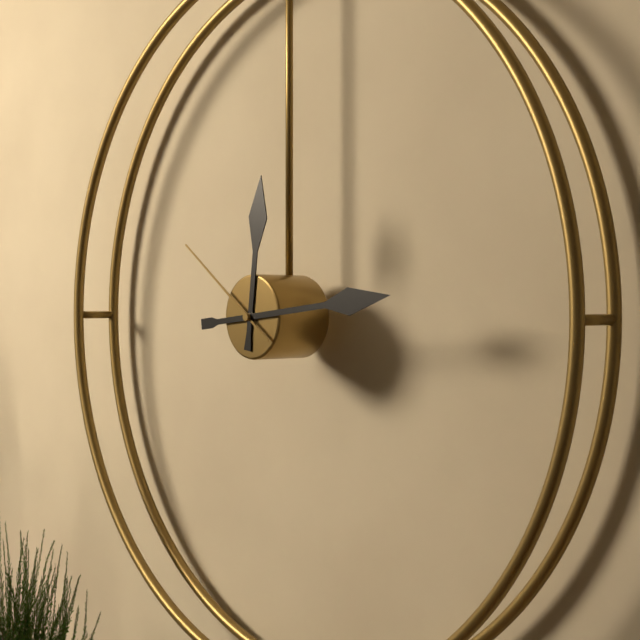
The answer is 12h14m51s
